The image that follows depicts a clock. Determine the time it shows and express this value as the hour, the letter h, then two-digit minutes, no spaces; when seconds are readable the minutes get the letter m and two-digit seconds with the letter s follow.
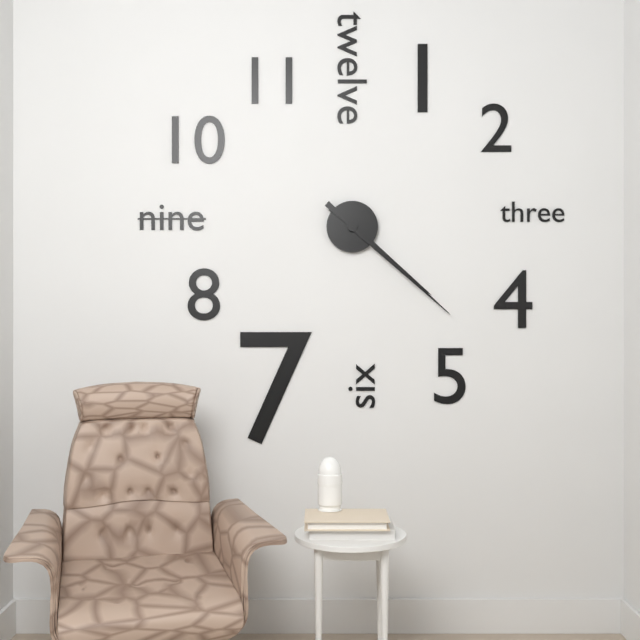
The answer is 4h22
